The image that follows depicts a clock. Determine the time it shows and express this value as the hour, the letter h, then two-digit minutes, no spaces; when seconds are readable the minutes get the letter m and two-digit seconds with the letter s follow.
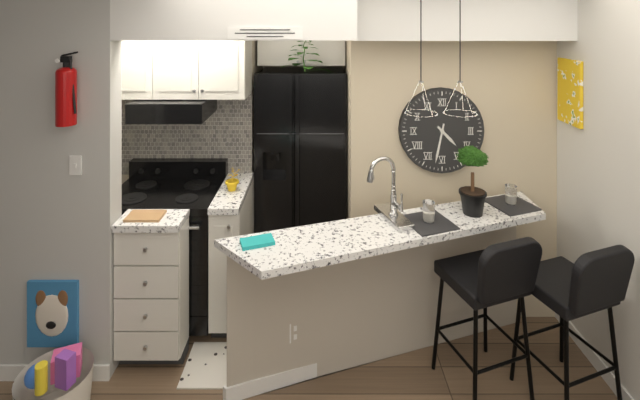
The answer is 4h32
